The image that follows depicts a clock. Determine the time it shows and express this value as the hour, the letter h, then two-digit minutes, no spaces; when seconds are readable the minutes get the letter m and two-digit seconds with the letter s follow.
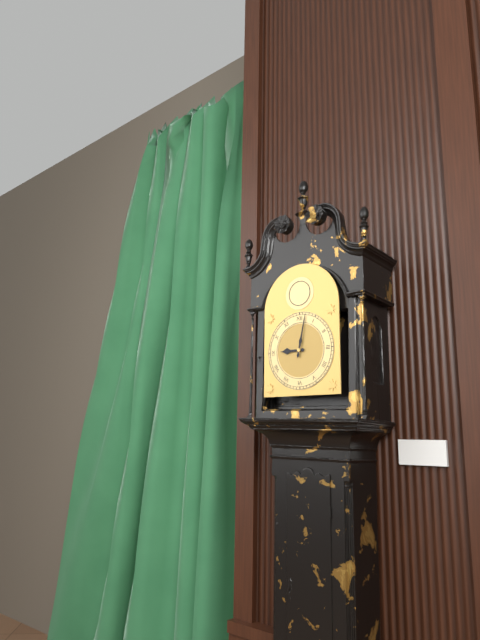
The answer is 9h02
